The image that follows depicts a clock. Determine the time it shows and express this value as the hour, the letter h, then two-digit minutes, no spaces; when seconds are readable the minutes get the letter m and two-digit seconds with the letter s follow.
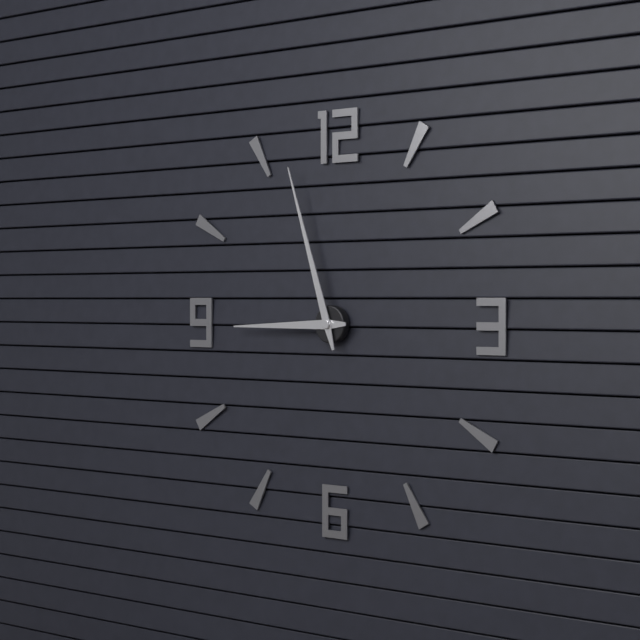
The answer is 8h57
